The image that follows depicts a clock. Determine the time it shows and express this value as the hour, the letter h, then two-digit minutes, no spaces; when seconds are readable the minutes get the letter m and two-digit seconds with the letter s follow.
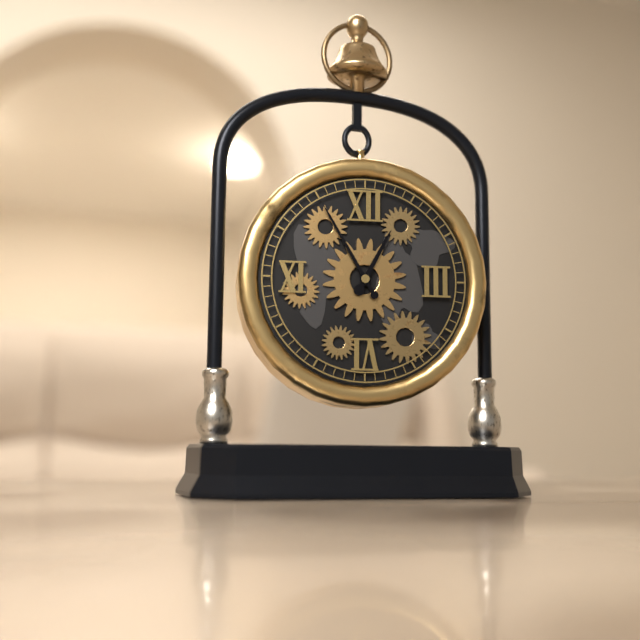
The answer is 12h55
